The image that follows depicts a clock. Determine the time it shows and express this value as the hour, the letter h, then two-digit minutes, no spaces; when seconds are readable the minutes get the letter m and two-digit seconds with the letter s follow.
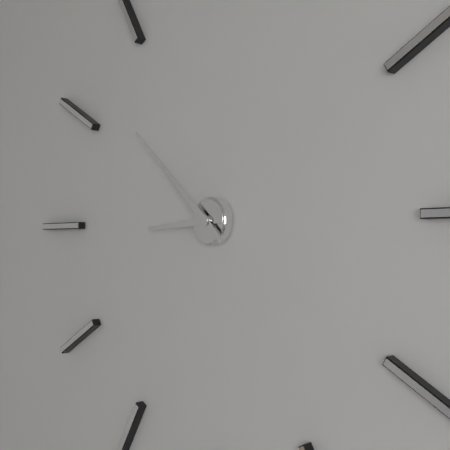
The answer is 8h52
